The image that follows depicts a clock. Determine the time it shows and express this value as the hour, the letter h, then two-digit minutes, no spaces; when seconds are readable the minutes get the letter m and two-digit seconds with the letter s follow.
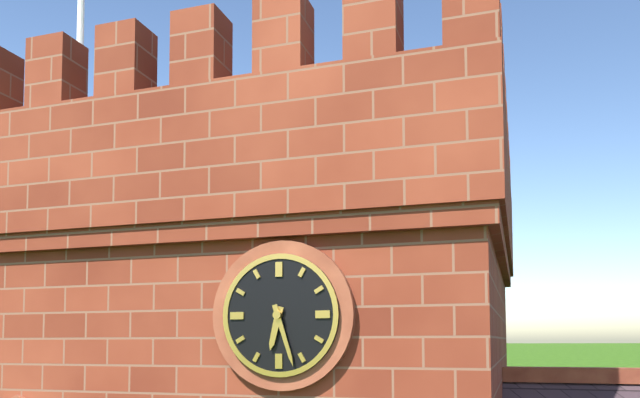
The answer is 6h27
